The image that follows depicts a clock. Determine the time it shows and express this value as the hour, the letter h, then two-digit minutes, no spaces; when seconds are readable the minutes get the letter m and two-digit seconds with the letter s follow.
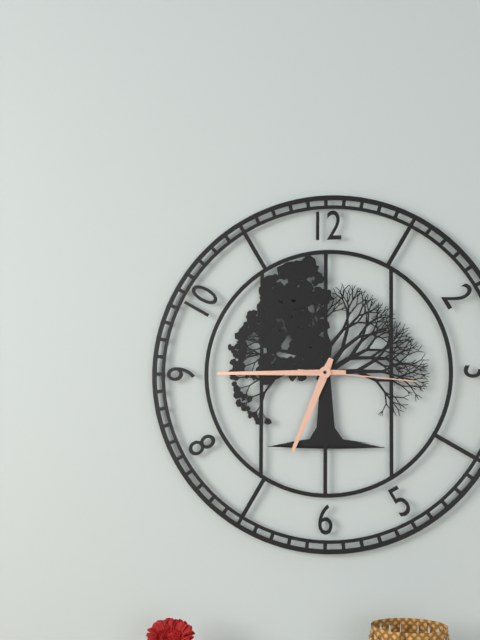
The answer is 6h45m16s
